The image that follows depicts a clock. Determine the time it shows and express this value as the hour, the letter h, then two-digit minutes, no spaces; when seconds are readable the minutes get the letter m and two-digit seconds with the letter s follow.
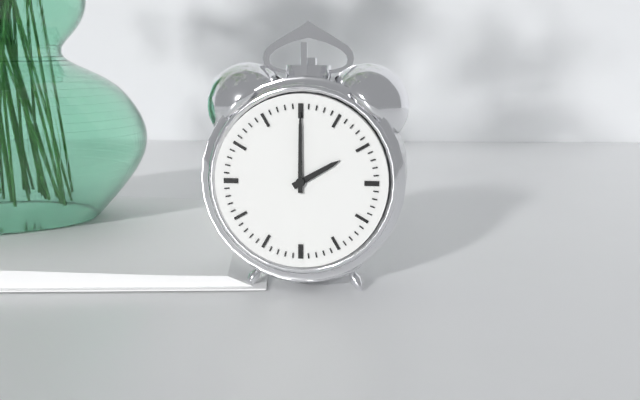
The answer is 2h00
